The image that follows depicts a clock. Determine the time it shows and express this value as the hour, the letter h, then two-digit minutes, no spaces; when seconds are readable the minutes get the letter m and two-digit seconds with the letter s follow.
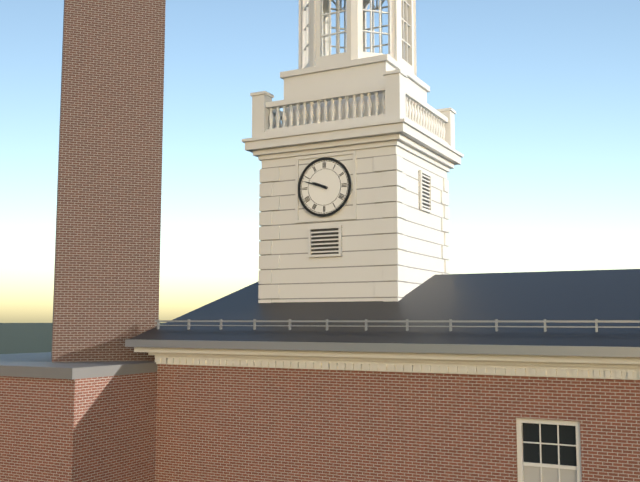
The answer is 9h48
